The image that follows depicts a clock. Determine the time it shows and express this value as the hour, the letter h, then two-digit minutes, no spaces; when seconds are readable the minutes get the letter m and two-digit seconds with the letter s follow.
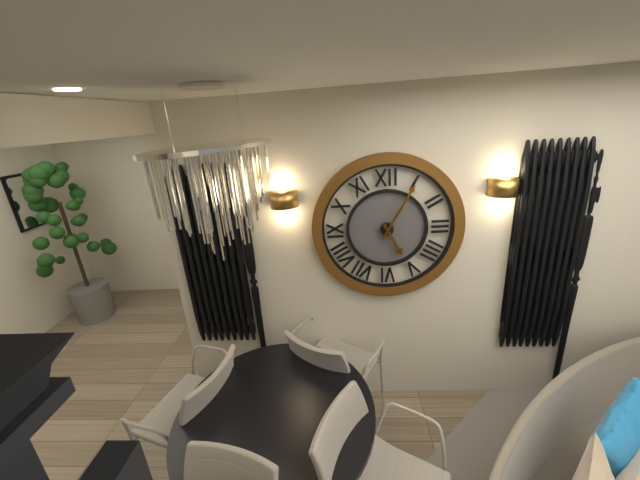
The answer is 5h05
